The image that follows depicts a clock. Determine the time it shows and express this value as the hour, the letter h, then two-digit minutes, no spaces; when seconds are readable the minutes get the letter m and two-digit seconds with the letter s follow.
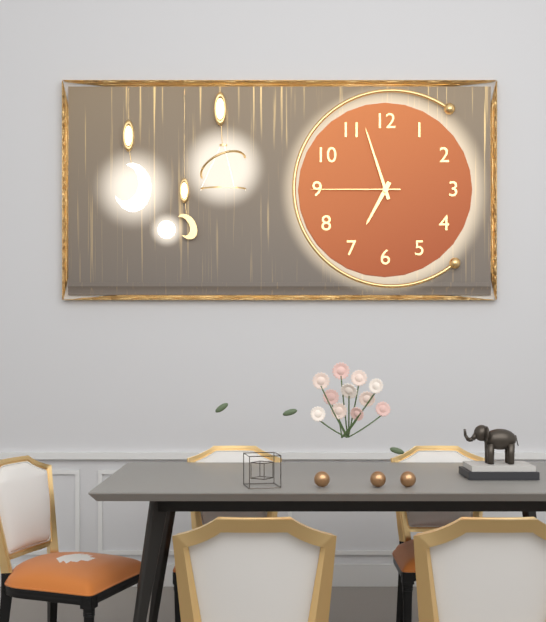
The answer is 6h57m45s
